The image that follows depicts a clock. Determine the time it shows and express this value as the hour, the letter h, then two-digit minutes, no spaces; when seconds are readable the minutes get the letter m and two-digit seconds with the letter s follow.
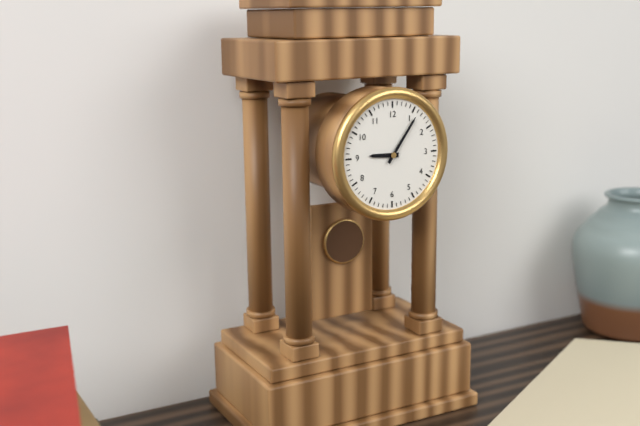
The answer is 9h06
